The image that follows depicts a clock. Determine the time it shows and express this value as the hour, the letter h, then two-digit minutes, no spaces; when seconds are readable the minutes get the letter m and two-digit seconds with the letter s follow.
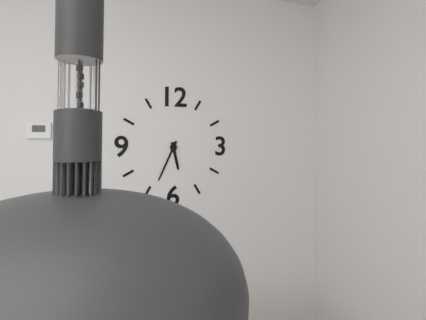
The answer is 5h34
